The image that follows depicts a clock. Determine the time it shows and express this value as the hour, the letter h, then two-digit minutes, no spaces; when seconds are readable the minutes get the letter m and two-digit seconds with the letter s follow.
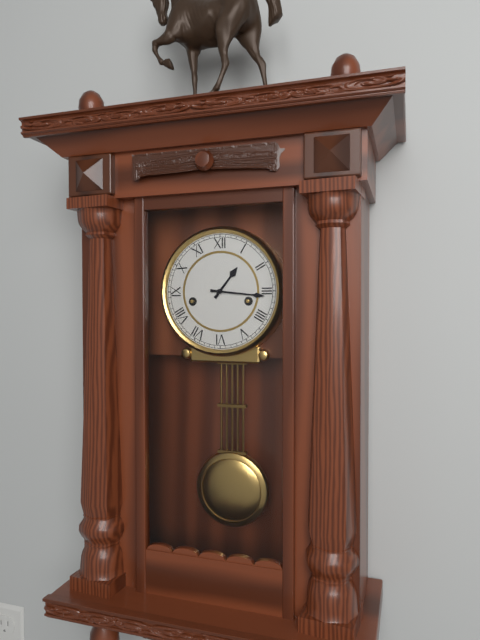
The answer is 1h16
